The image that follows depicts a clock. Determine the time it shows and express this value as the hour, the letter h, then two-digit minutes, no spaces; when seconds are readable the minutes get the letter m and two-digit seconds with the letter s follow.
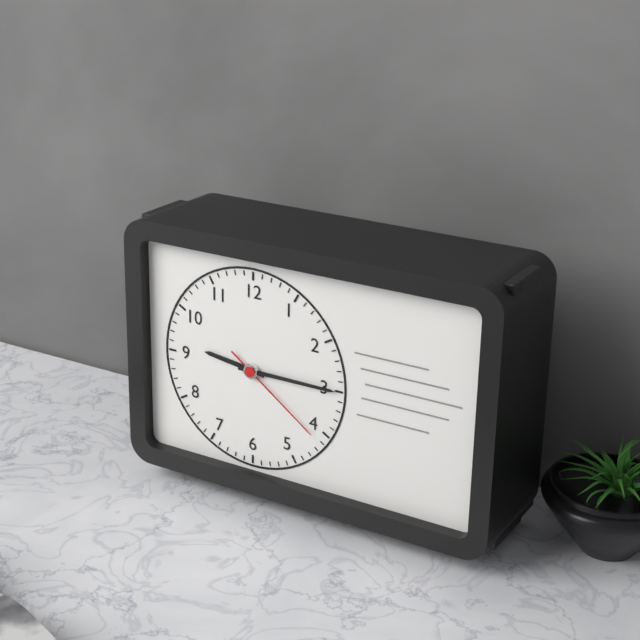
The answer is 9h15m21s
